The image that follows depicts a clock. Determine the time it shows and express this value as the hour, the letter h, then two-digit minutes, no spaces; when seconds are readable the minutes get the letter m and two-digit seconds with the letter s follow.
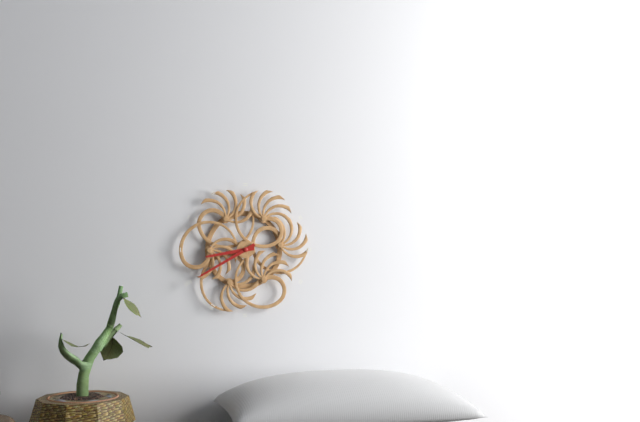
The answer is 8h40
